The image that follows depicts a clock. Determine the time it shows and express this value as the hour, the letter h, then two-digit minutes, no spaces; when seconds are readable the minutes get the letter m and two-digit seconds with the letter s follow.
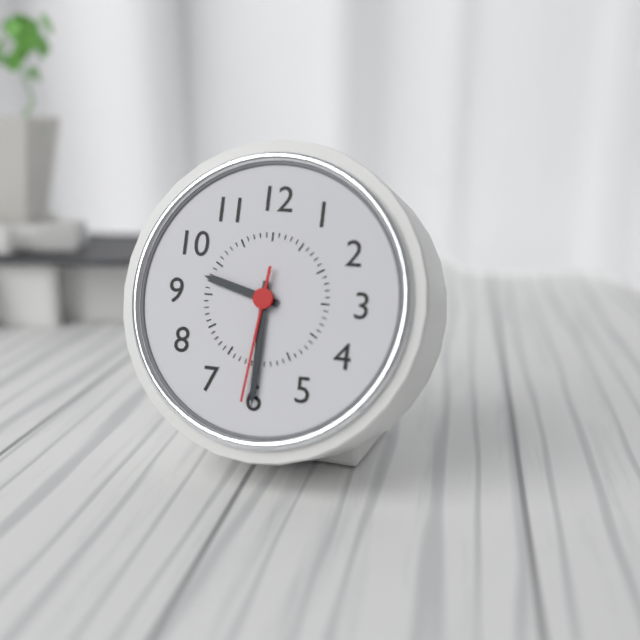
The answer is 9h30m31s
